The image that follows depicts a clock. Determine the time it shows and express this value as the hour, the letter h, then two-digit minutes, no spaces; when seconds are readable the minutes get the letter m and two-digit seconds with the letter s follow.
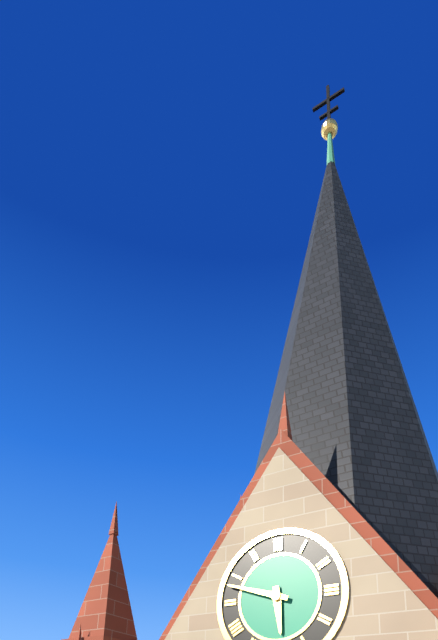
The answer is 5h48
